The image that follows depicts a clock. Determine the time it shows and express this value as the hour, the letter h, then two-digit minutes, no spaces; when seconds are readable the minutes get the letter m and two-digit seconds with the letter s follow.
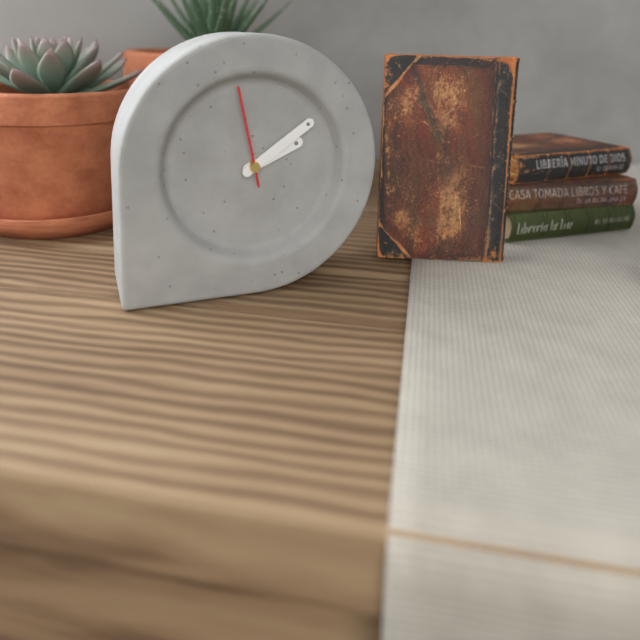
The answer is 2h09m58s
